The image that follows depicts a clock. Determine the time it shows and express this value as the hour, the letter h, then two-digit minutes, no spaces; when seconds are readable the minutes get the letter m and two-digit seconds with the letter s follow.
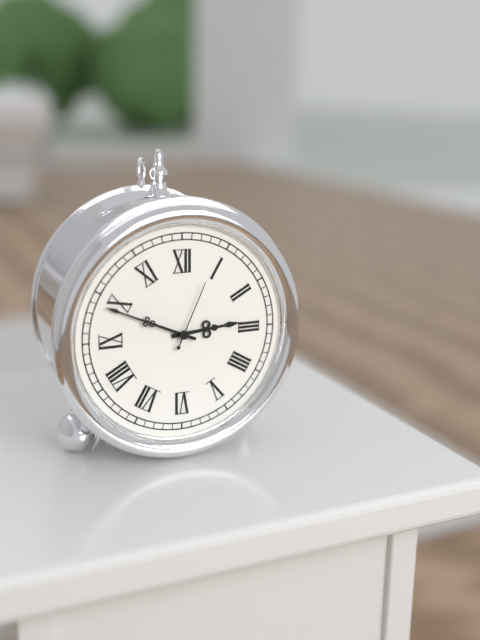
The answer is 2h49m04s
